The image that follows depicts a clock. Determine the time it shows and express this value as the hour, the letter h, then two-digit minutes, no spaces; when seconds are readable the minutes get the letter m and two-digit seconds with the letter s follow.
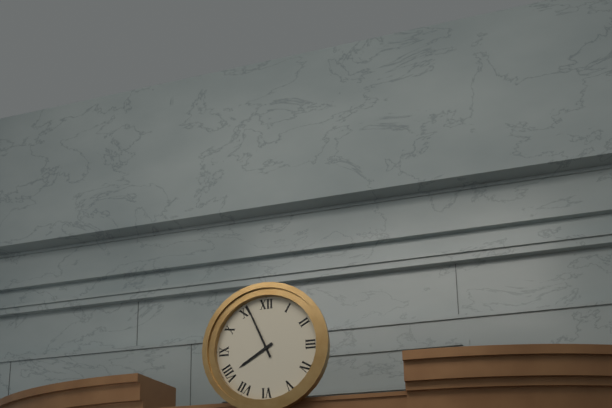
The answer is 7h56
